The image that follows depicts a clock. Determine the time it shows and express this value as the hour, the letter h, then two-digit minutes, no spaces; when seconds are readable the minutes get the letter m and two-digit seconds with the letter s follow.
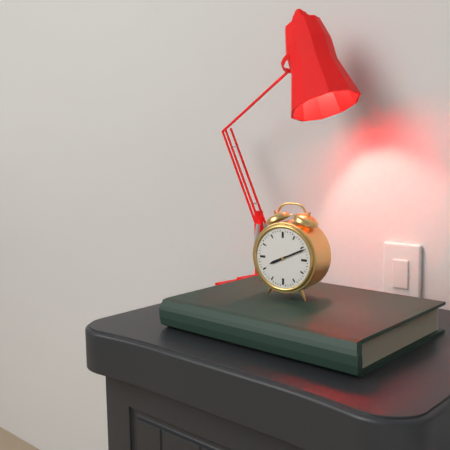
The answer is 8h11
